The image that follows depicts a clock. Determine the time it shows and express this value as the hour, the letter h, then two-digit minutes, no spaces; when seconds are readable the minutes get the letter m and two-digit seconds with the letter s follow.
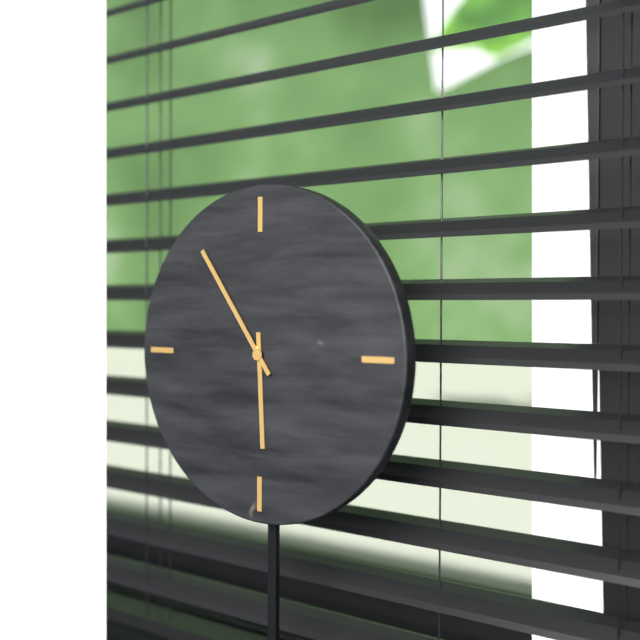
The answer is 5h54
